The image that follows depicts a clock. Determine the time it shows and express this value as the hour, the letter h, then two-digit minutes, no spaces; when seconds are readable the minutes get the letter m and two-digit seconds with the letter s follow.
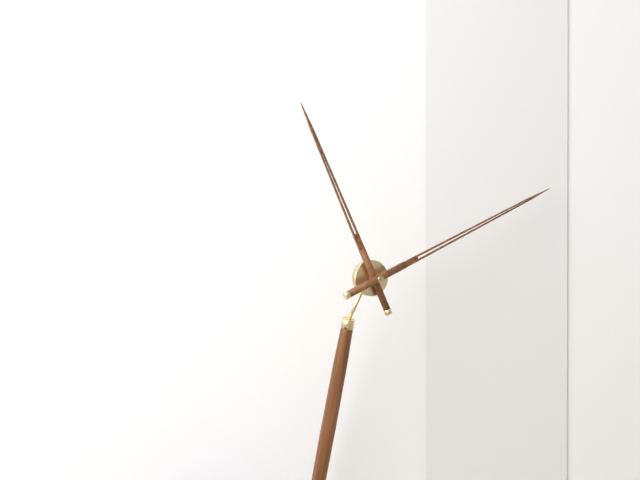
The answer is 11h11
